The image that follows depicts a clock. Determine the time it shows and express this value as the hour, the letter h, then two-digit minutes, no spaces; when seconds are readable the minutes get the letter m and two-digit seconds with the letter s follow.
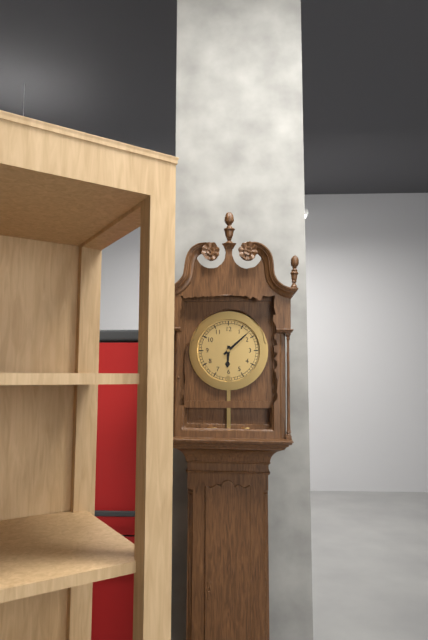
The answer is 6h08
